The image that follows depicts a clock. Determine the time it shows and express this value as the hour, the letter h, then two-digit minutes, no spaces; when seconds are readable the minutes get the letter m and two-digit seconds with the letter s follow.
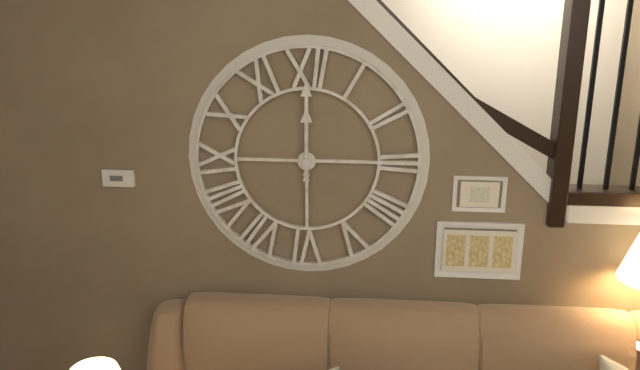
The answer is 12h00
